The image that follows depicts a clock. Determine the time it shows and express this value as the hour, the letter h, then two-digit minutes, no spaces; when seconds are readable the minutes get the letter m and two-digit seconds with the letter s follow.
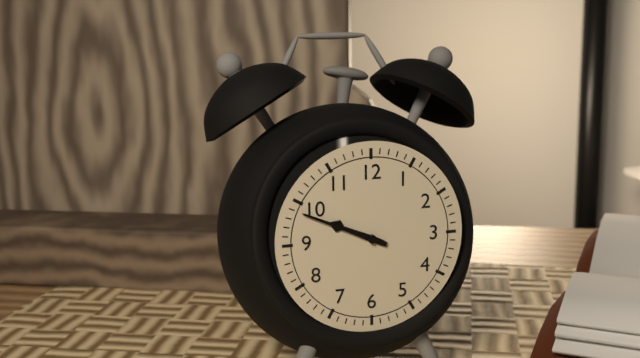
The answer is 9h49
